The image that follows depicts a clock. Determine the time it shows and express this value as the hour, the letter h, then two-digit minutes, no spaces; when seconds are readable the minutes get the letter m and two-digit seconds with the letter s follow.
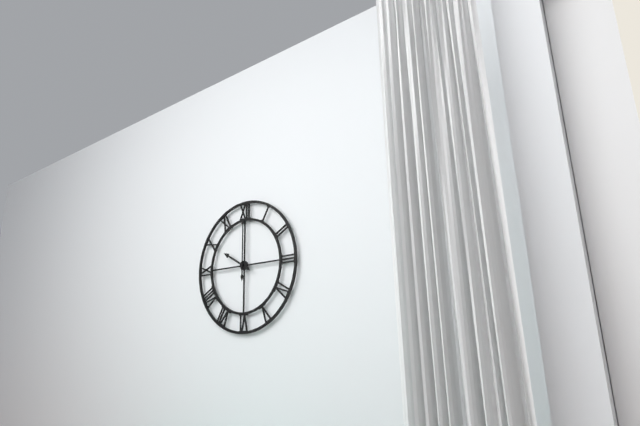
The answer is 10h00
